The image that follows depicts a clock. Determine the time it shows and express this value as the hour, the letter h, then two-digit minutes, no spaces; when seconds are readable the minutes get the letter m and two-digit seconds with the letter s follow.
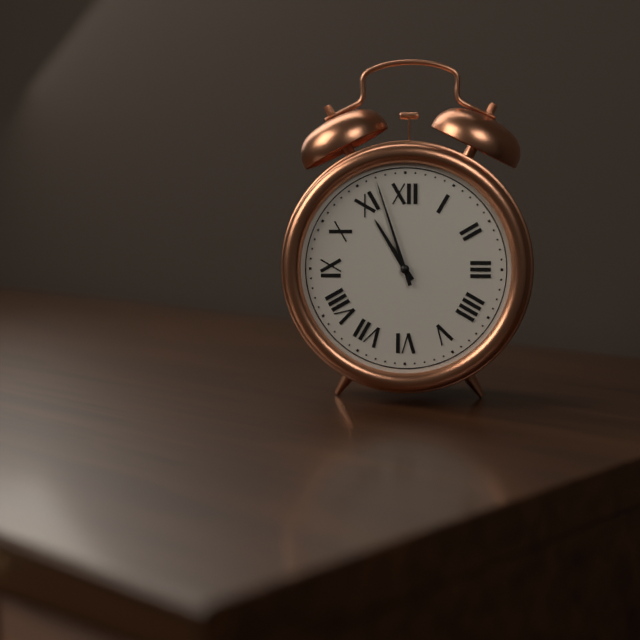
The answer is 10h57
